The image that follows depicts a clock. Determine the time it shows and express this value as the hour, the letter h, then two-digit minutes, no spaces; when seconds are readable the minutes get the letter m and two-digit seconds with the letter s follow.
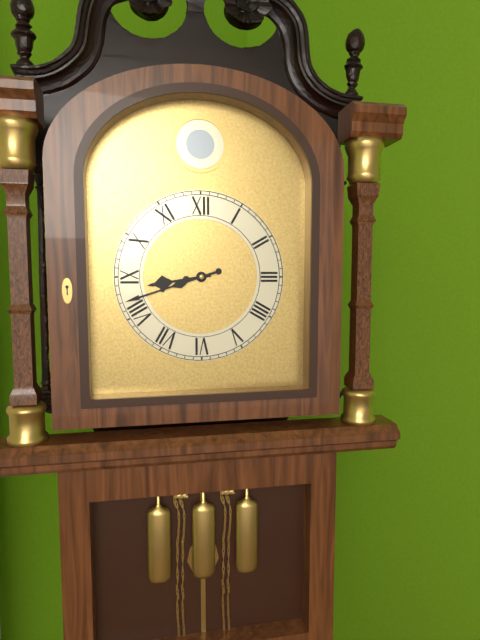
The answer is 8h42
